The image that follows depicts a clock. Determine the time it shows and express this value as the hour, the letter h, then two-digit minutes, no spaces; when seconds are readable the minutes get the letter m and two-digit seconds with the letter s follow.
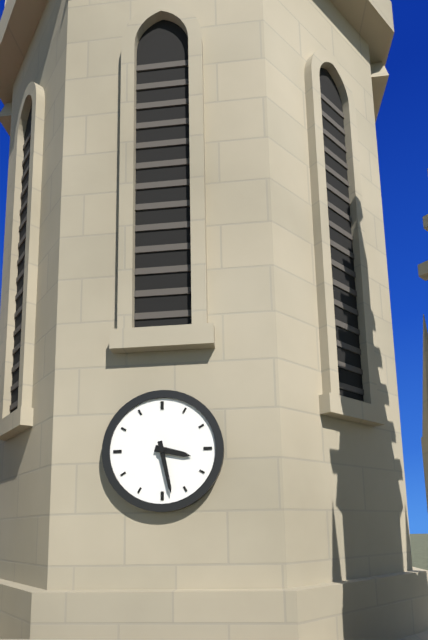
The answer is 3h28
